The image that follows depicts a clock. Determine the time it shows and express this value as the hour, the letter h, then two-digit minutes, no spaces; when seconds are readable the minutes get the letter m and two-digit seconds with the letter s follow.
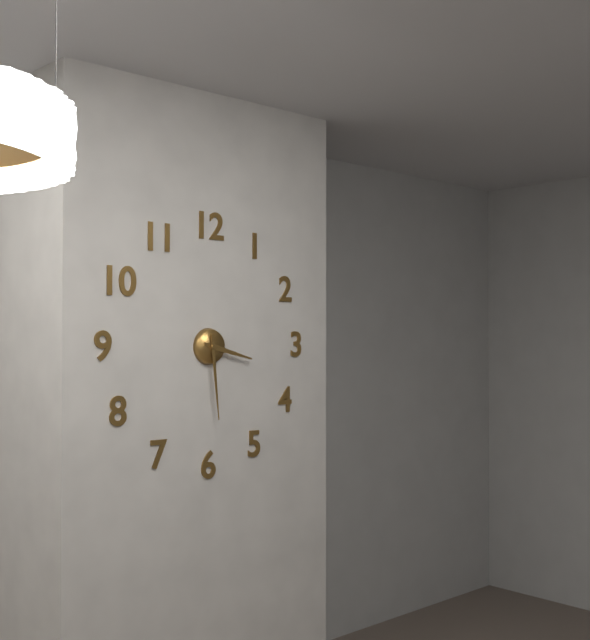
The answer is 3h29
